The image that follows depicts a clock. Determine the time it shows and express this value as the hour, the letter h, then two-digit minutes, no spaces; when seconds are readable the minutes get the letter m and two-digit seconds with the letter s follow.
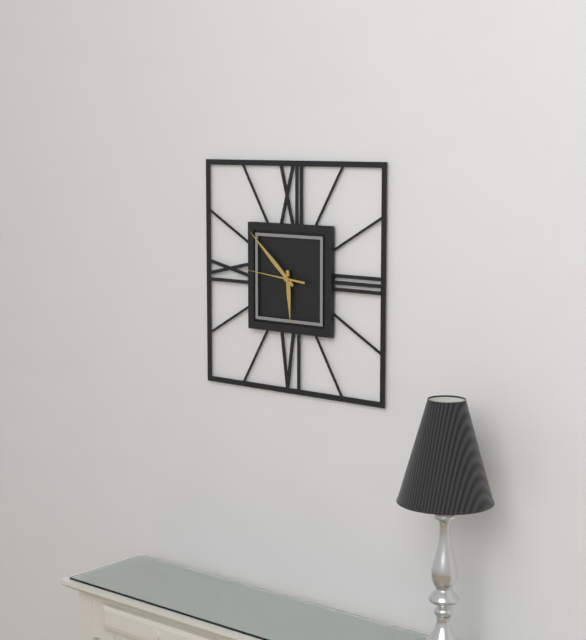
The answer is 5h52m46s
